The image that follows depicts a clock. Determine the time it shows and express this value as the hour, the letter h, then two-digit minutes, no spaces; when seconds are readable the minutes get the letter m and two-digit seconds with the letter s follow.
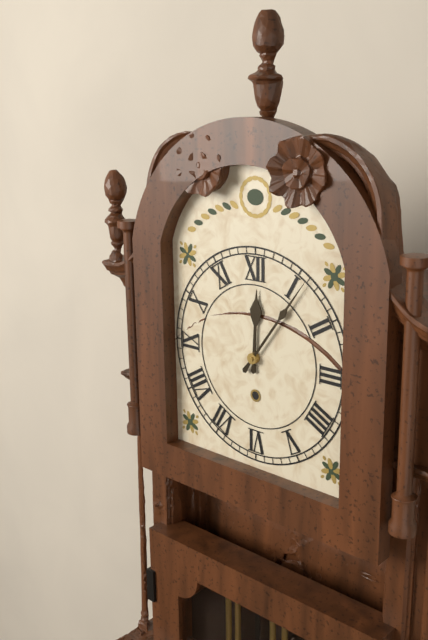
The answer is 12h06
